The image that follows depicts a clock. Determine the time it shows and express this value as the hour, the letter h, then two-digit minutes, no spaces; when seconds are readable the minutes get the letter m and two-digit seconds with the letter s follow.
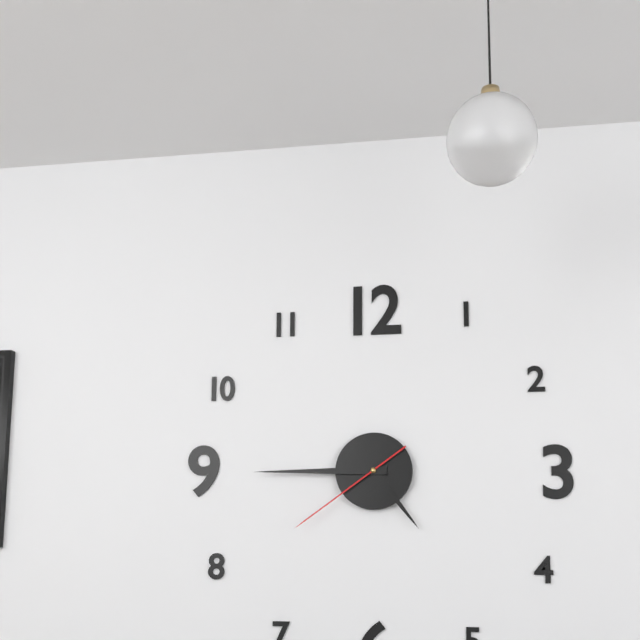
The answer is 4h45m39s
